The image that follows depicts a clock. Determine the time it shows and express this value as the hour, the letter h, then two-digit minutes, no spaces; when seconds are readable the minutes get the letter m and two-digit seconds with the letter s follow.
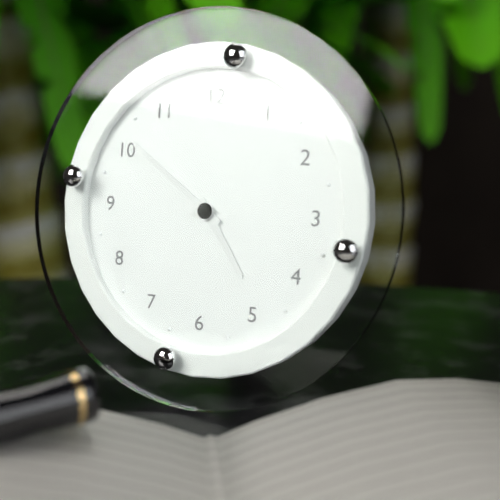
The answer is 4h51
